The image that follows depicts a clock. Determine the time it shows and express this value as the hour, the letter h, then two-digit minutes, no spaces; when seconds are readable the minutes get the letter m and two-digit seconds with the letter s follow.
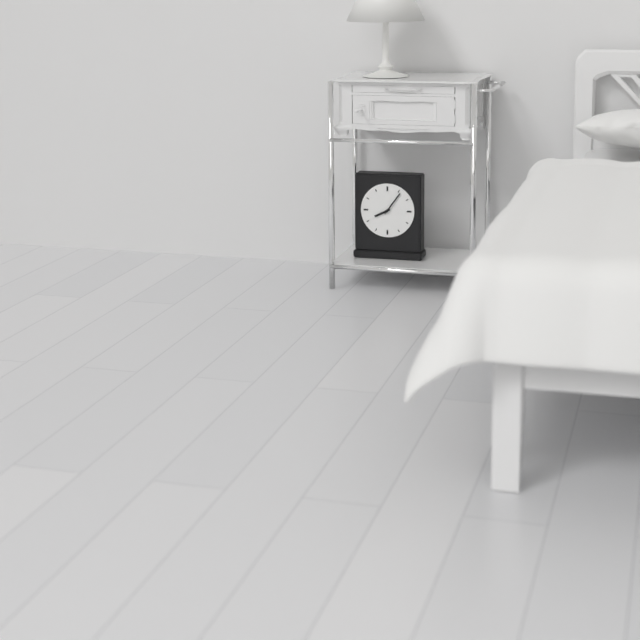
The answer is 8h06
